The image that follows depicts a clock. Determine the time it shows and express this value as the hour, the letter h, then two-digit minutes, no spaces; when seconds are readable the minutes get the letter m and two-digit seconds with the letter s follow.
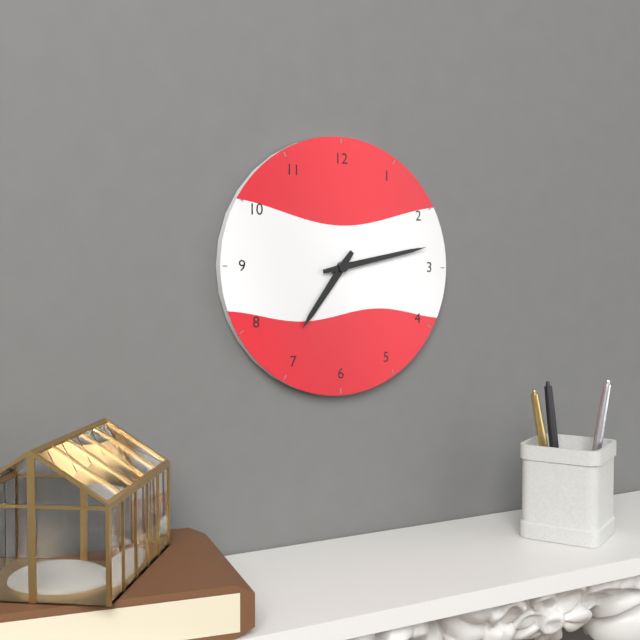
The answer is 7h13
